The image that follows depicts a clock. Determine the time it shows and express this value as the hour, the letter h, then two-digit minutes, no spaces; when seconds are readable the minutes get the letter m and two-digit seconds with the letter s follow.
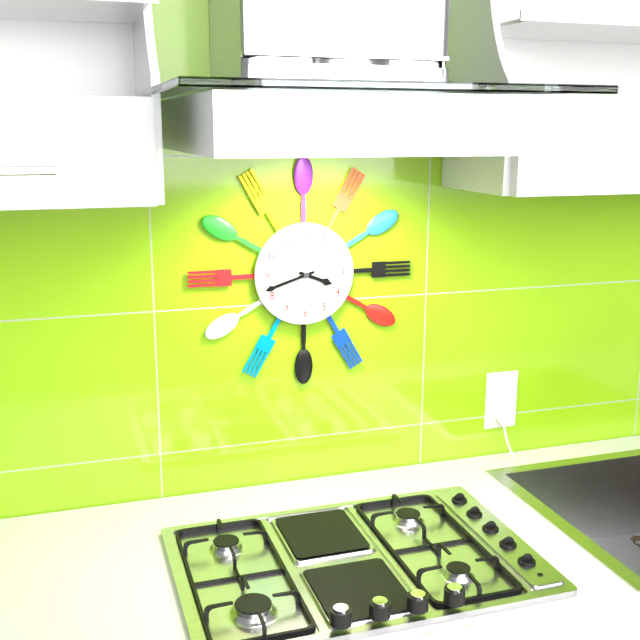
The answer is 3h42
